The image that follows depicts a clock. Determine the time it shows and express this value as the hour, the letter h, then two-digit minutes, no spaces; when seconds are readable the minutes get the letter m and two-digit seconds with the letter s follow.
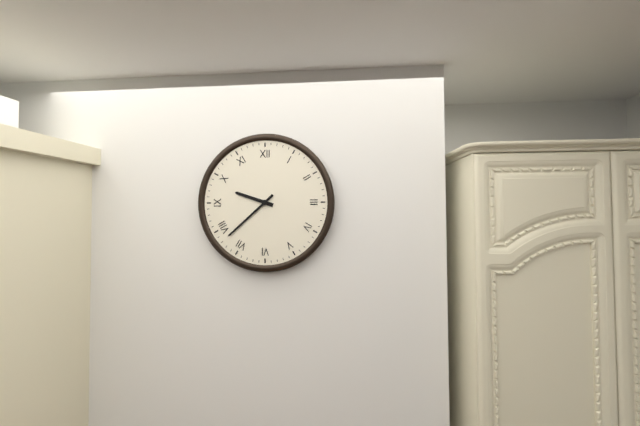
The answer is 9h38
